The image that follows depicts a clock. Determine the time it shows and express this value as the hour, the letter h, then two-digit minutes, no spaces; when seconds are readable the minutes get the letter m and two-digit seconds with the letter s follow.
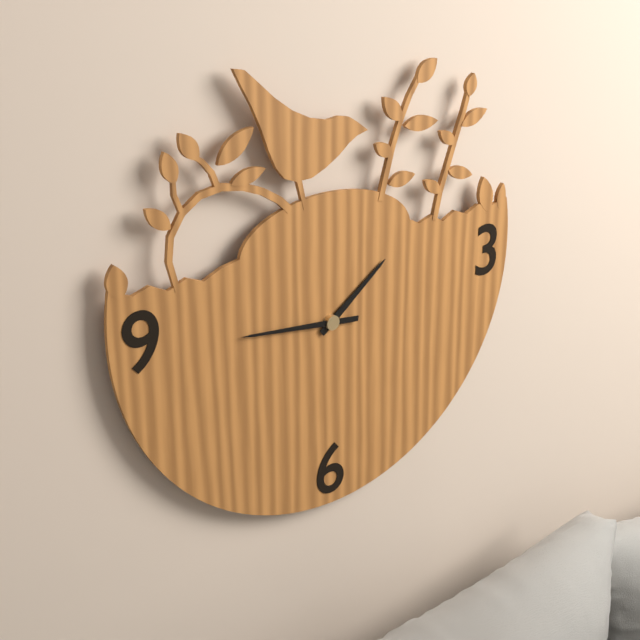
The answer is 1h46
